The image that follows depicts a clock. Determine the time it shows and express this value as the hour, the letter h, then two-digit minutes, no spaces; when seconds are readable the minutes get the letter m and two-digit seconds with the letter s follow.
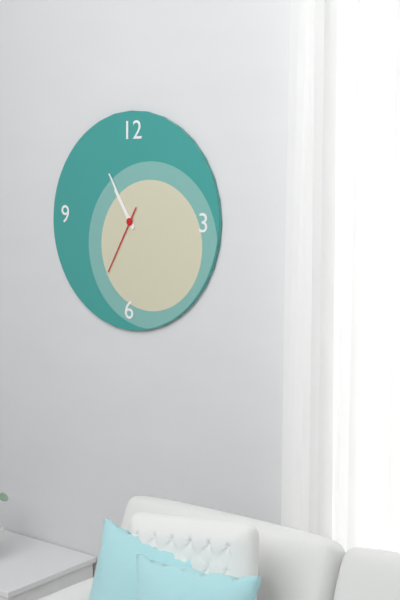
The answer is 10h55m35s
